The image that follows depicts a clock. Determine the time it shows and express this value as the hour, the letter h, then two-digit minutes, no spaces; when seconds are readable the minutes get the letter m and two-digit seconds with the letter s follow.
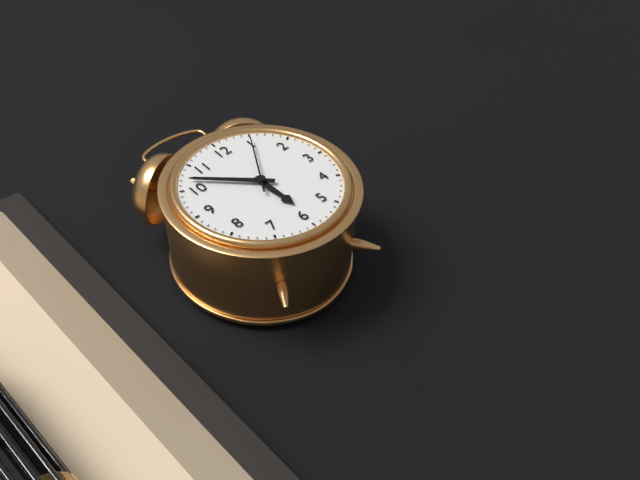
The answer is 5h52m05s
